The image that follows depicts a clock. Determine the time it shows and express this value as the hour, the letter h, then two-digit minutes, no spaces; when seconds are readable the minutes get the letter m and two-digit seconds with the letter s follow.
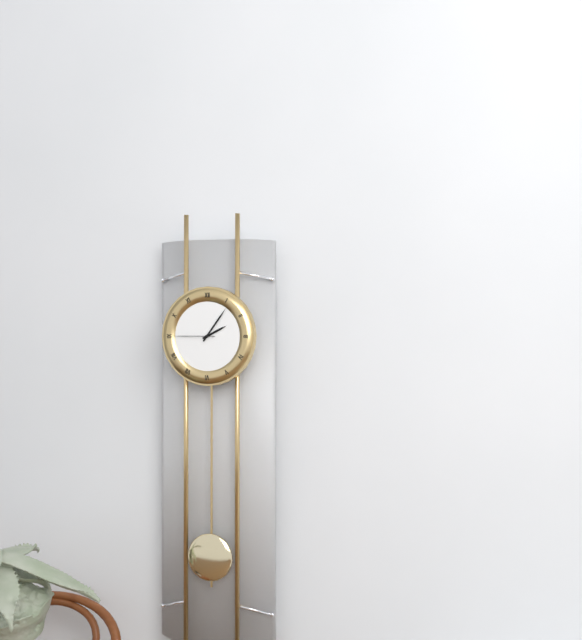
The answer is 2h06
